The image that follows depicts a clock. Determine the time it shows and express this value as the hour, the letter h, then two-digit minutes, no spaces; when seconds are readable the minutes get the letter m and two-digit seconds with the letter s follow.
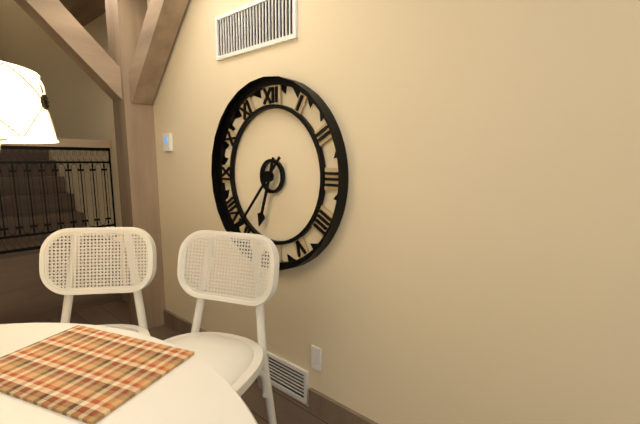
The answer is 6h37
